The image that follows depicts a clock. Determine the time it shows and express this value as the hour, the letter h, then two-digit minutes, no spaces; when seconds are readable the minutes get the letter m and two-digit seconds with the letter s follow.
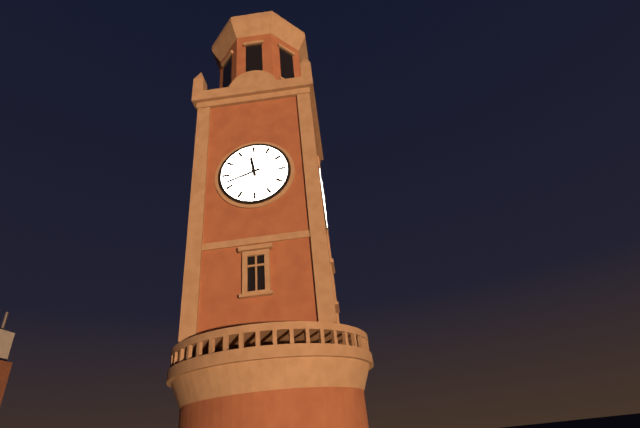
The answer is 11h42
